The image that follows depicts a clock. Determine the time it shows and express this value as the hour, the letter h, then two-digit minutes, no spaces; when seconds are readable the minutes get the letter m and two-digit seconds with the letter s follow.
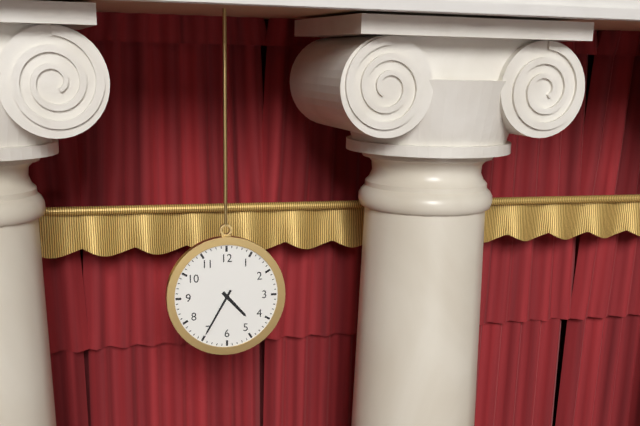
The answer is 4h35
